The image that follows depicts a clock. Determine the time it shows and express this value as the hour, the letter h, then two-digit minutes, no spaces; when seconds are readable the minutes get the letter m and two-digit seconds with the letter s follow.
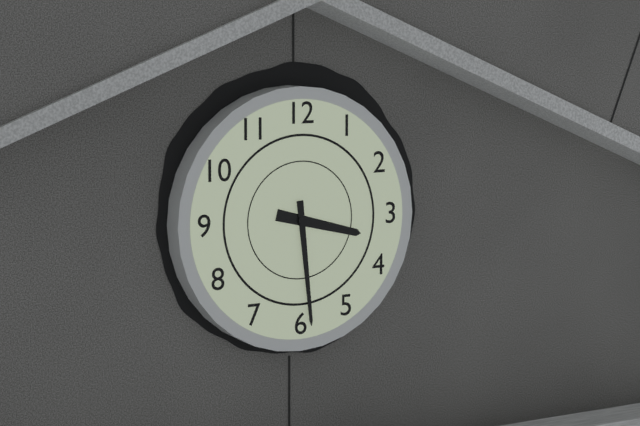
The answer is 3h29
